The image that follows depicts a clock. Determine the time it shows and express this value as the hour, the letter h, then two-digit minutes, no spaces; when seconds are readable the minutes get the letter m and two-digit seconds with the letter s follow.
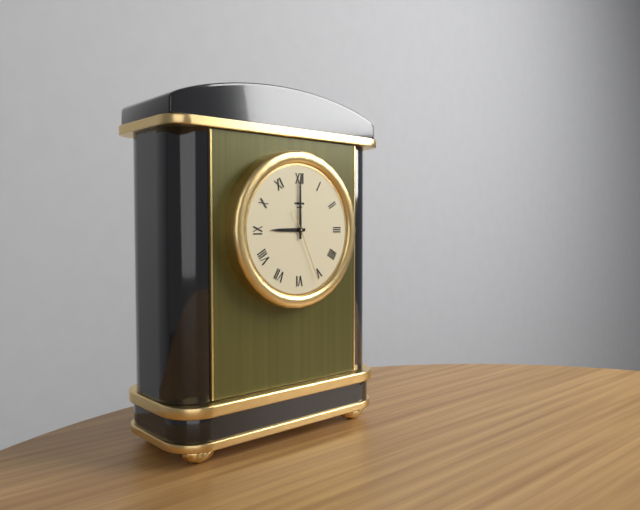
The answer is 9h00m26s
